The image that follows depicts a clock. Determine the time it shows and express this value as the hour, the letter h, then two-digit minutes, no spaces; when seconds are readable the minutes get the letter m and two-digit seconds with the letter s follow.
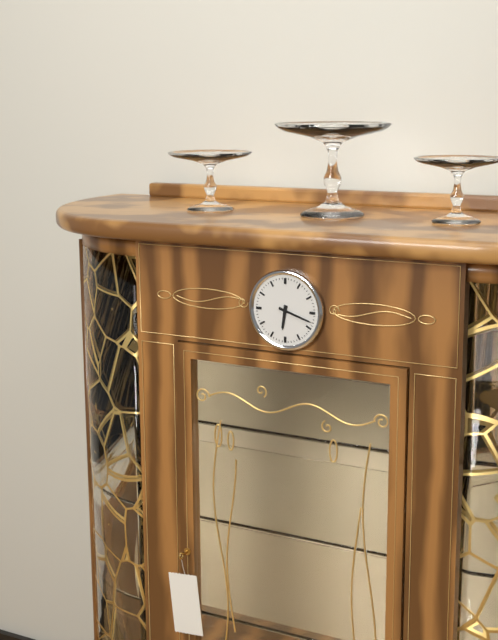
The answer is 6h18
